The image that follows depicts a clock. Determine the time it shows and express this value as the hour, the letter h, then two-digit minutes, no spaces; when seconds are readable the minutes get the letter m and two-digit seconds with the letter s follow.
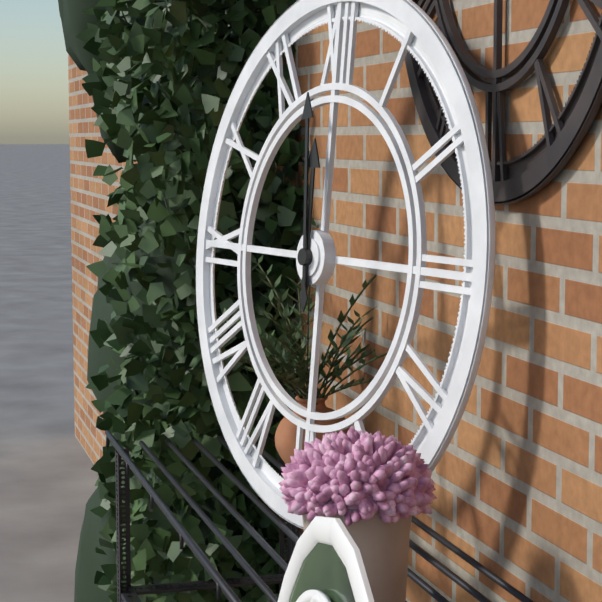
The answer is 11h59
